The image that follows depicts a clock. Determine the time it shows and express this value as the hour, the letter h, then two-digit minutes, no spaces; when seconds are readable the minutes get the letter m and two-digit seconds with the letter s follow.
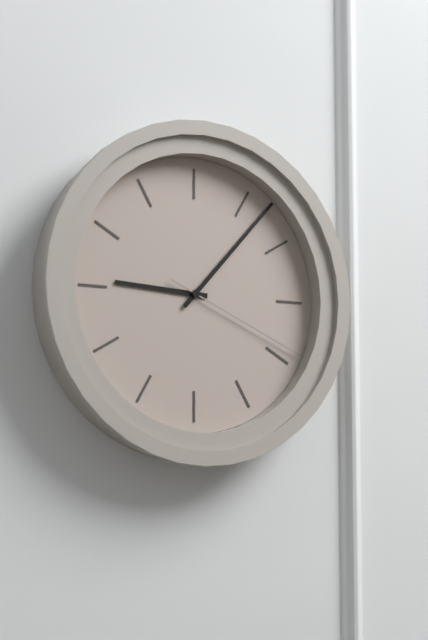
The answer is 9h07m19s
